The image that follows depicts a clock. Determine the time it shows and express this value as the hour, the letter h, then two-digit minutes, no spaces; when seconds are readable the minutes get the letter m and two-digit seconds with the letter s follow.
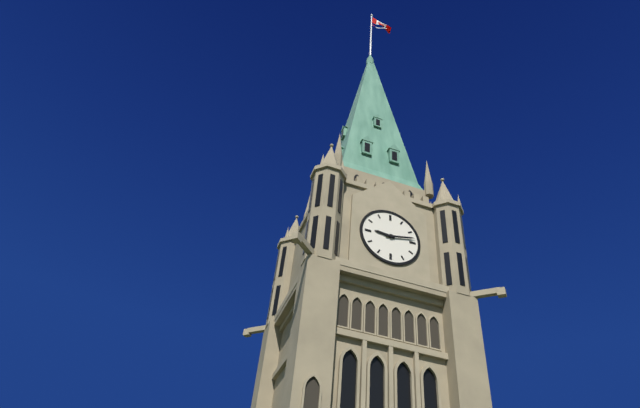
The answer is 9h13
